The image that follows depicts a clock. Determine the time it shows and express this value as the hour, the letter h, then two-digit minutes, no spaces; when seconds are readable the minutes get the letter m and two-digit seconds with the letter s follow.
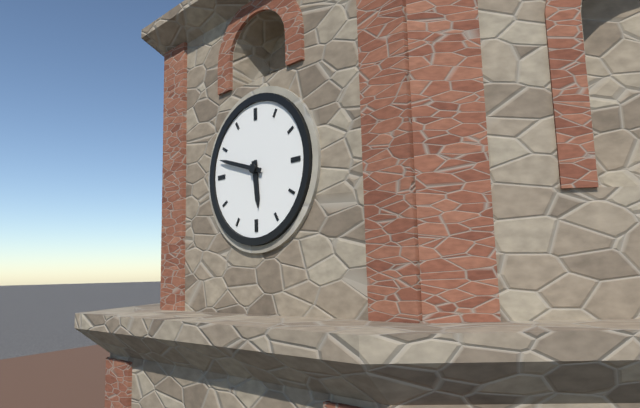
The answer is 5h48
